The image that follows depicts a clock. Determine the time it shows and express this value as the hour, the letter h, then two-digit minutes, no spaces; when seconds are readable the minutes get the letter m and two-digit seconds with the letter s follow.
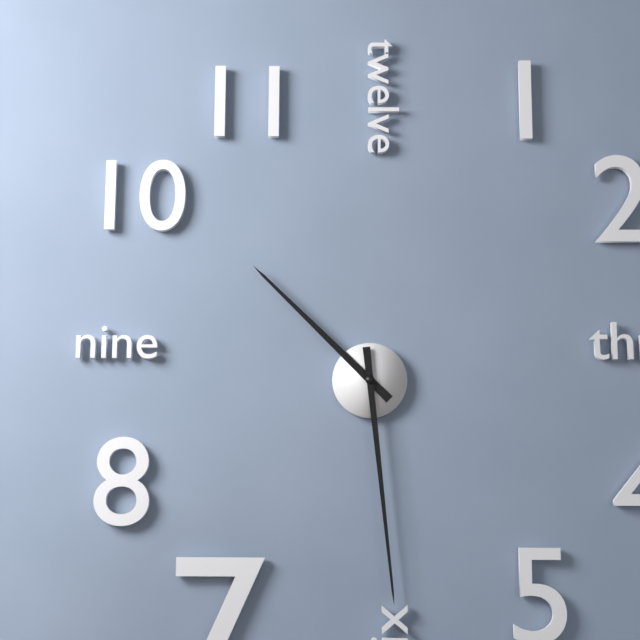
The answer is 10h29
